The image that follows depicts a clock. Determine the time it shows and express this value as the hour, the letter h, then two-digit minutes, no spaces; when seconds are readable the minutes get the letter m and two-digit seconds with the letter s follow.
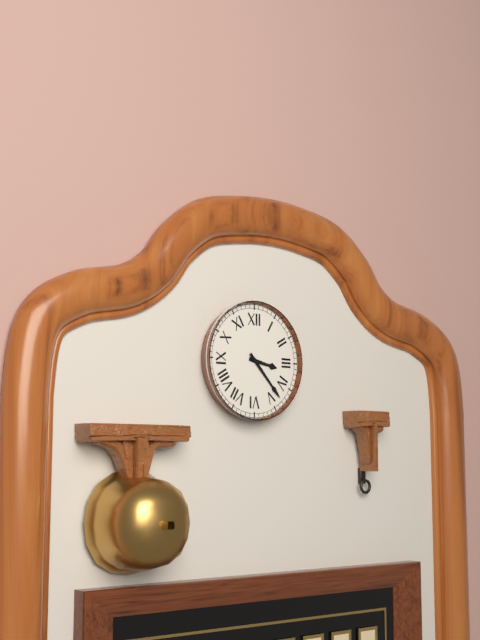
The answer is 3h23
